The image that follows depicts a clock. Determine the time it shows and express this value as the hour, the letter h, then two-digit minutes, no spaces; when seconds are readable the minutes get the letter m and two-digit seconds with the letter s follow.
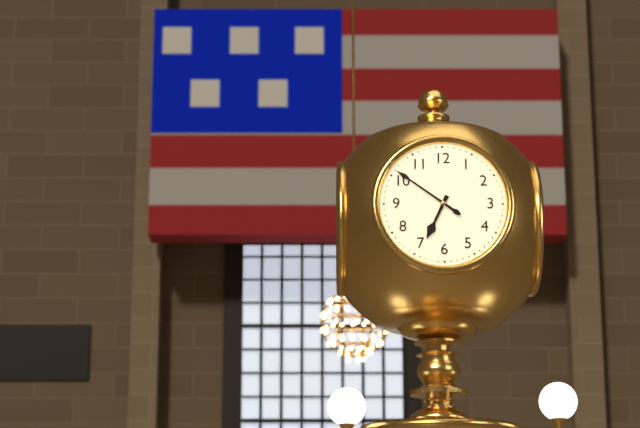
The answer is 6h51
